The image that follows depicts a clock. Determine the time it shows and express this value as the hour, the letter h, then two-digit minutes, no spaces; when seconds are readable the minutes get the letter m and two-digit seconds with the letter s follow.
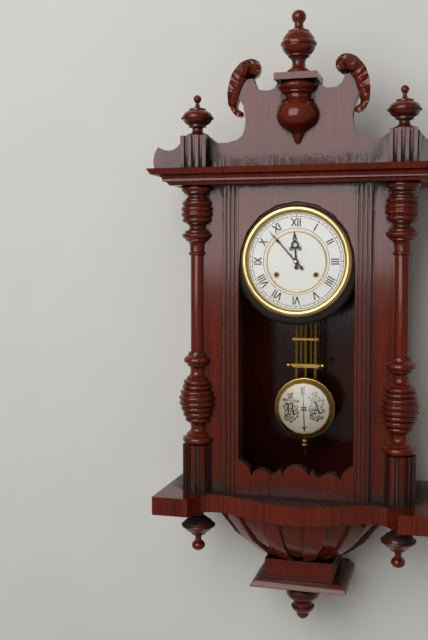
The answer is 11h53
